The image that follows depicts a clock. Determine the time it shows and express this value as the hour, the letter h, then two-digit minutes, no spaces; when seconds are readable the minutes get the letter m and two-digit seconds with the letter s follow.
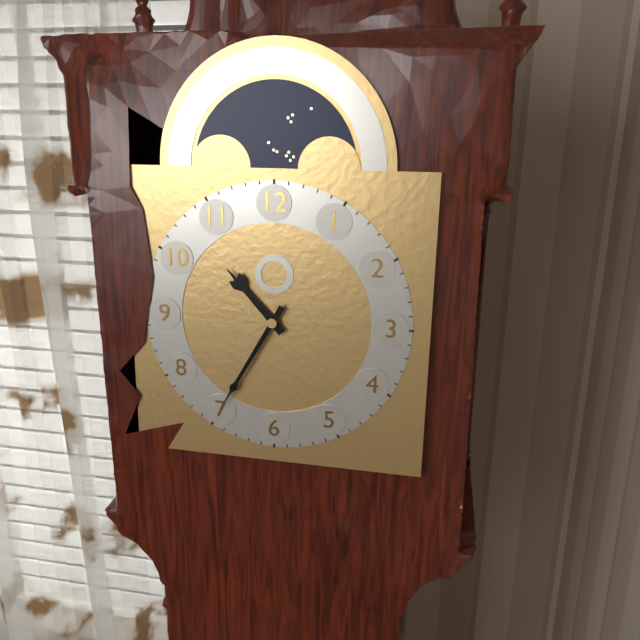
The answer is 10h35
